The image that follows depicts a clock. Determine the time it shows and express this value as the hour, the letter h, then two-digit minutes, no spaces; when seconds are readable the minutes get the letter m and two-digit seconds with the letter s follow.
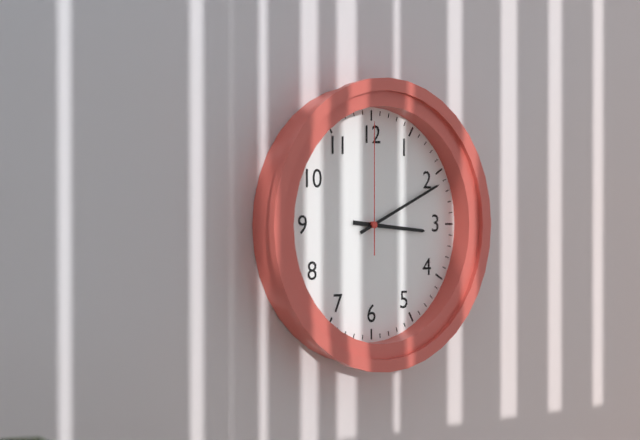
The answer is 3h11m00s
